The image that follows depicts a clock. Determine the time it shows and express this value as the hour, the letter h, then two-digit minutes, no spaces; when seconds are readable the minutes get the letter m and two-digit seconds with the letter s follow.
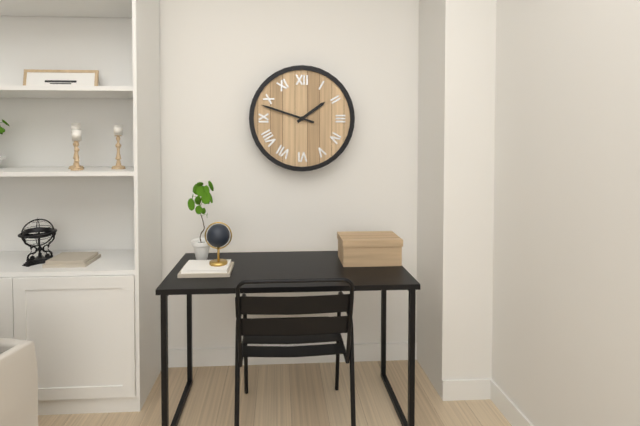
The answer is 1h48
